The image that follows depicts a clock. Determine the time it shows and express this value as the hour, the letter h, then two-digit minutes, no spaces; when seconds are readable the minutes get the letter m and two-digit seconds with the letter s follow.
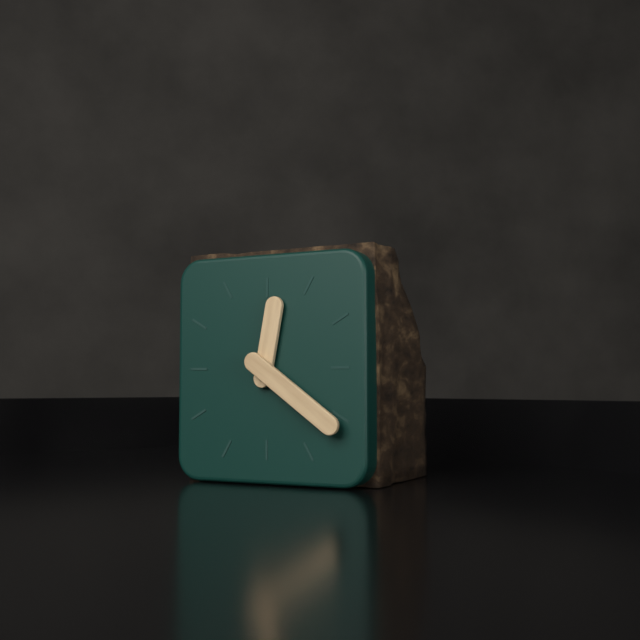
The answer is 12h21
